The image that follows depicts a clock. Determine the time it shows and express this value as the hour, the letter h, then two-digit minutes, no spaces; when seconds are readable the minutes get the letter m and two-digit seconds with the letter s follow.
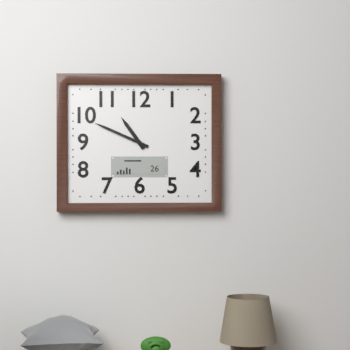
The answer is 10h49
